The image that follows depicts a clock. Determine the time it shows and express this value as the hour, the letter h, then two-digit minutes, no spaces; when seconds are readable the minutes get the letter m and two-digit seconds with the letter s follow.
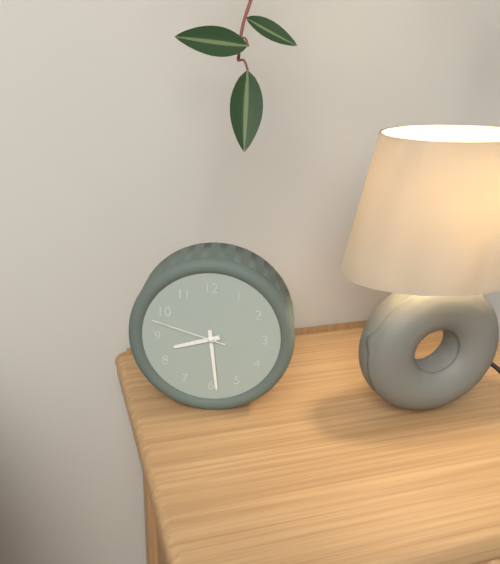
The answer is 8h29m48s
